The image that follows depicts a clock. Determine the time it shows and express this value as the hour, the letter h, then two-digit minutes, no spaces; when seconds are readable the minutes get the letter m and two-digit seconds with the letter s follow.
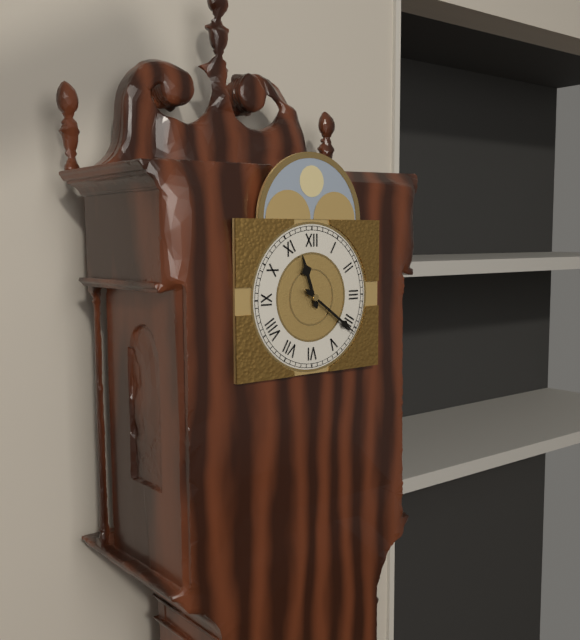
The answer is 11h21
